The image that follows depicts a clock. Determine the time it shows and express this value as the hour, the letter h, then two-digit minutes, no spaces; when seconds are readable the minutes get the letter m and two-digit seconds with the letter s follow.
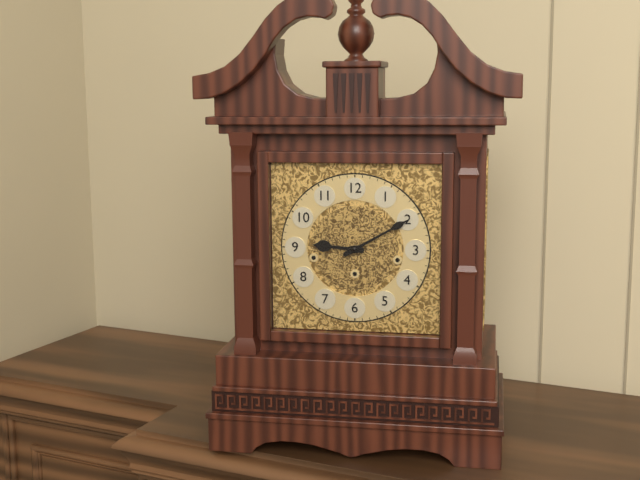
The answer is 9h10
